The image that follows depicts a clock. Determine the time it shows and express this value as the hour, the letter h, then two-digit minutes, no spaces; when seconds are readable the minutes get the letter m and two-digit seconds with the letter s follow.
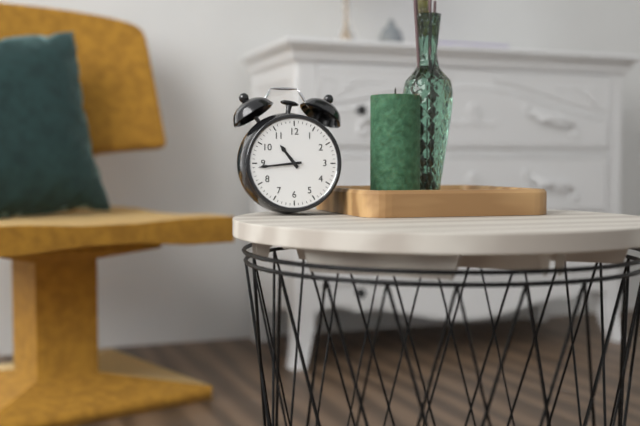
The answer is 10h44
